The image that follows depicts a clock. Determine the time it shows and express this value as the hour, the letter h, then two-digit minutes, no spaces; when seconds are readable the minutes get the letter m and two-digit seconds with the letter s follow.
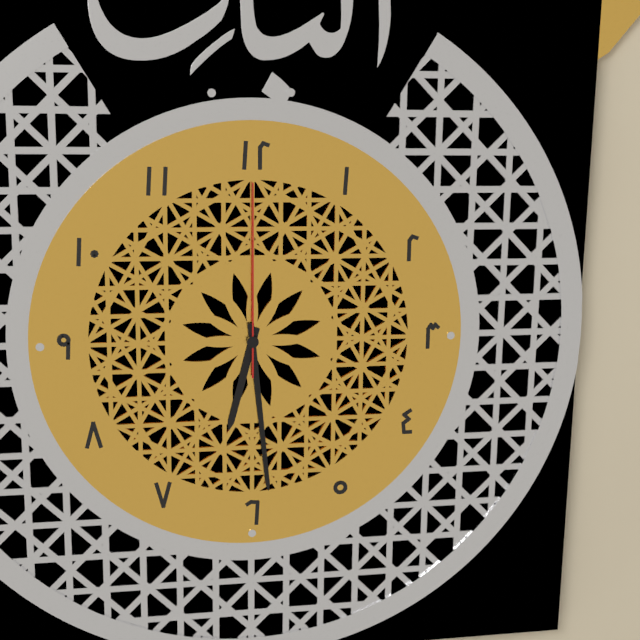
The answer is 6h29m00s
